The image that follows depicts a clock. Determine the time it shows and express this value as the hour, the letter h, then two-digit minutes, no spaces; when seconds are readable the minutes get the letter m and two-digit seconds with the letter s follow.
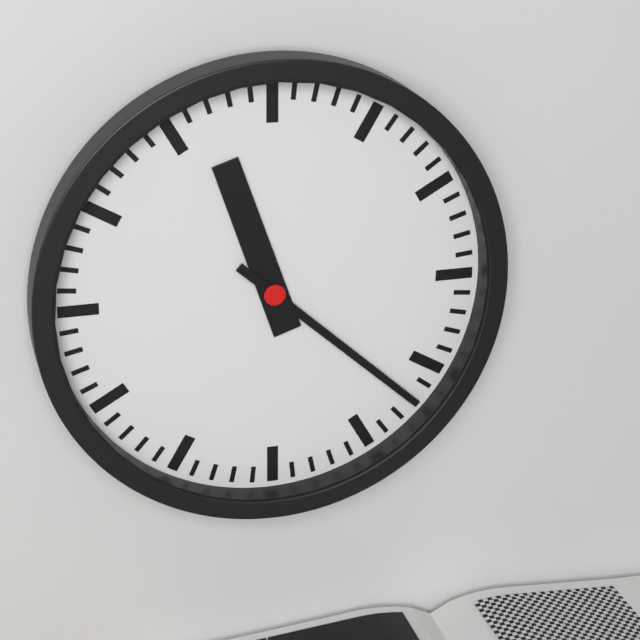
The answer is 11h22
